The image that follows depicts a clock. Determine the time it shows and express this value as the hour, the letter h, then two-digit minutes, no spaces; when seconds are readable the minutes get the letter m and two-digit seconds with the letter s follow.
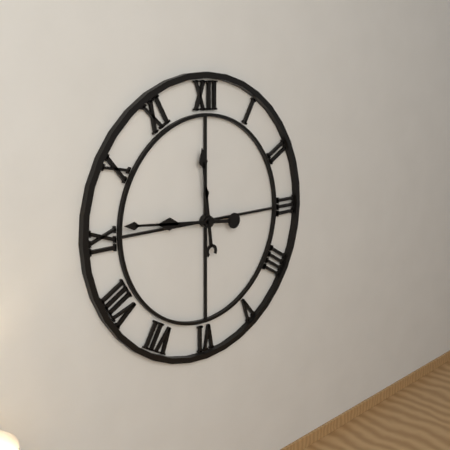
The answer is 11h46
